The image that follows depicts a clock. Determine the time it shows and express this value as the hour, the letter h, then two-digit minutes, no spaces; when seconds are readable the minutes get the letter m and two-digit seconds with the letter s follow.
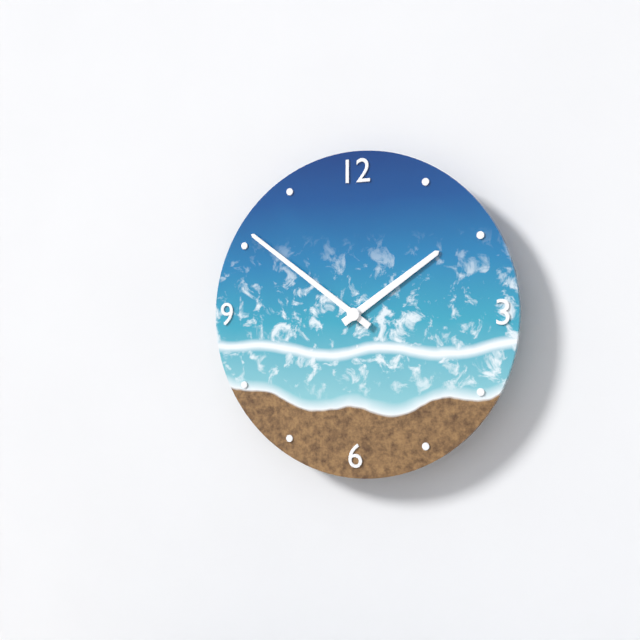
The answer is 1h51
